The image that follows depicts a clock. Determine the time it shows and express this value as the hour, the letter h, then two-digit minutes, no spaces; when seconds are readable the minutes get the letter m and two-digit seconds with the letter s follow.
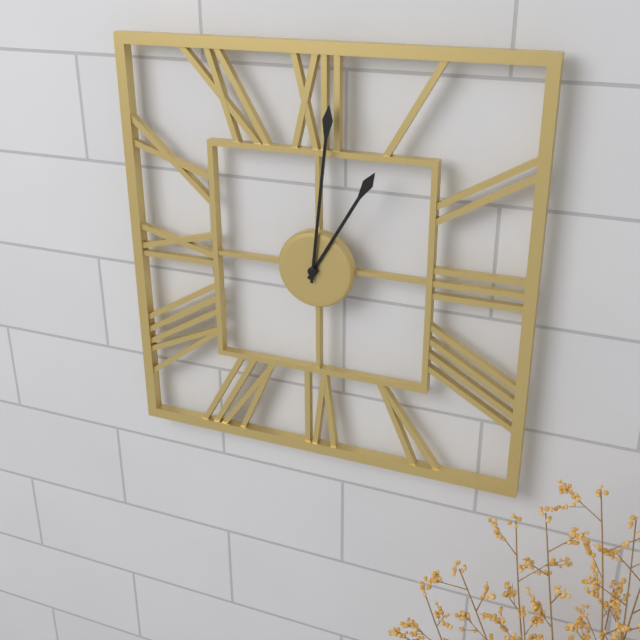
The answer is 1h01
